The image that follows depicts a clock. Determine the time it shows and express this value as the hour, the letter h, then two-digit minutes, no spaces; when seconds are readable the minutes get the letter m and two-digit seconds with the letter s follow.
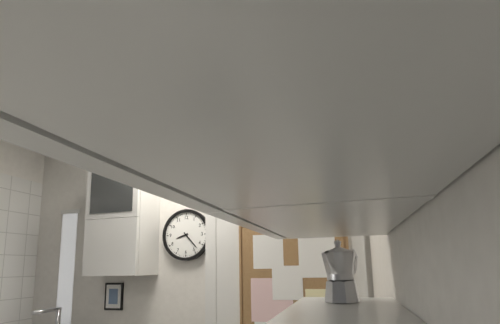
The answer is 8h23
